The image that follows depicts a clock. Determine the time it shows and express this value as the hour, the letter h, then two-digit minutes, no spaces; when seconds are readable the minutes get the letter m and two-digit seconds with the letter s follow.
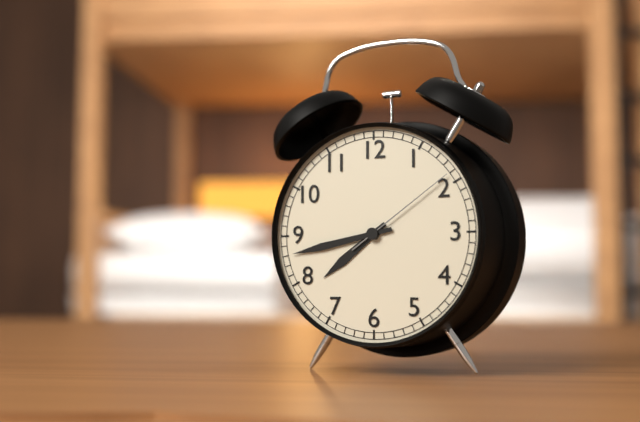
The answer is 7h43m09s
